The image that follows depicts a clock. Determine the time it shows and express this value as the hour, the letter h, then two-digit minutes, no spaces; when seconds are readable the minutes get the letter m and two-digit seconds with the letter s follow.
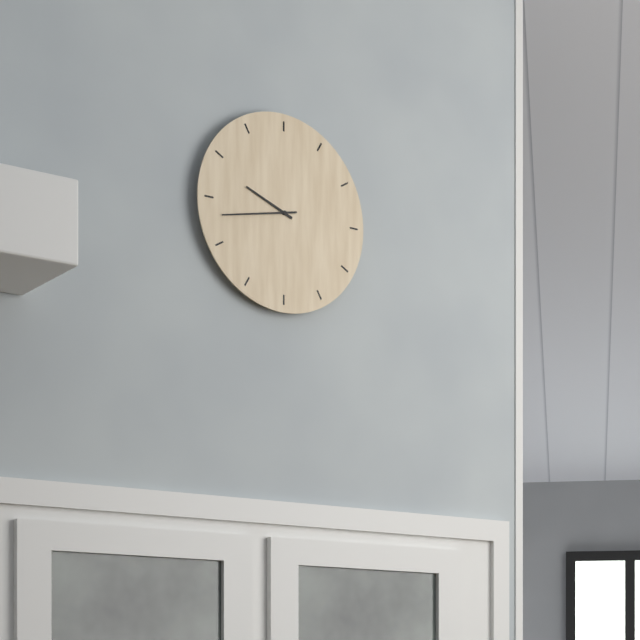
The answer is 9h43
